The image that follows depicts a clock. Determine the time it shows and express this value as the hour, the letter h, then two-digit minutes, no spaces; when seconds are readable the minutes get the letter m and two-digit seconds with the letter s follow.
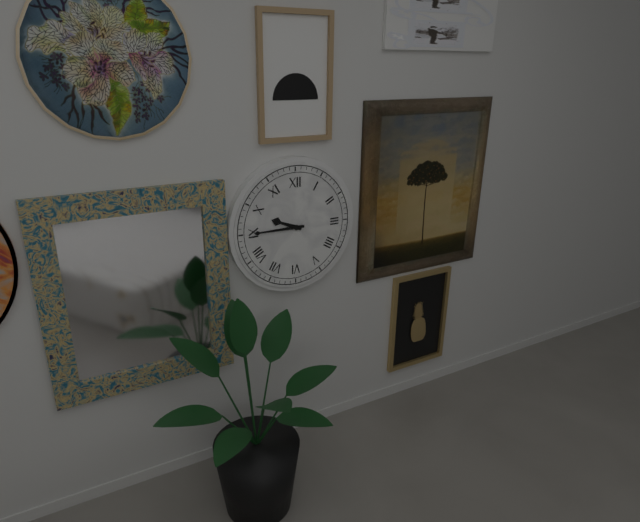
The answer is 9h45
